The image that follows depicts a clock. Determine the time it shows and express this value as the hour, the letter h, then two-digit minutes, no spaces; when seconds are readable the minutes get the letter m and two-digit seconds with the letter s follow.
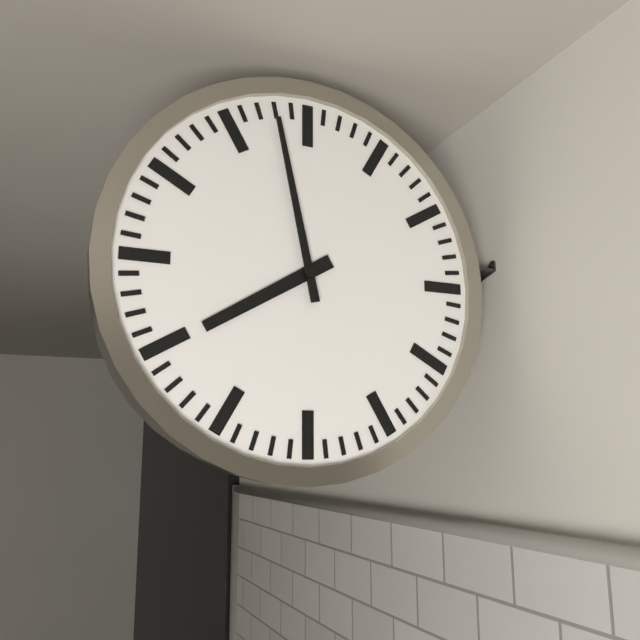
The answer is 7h58
